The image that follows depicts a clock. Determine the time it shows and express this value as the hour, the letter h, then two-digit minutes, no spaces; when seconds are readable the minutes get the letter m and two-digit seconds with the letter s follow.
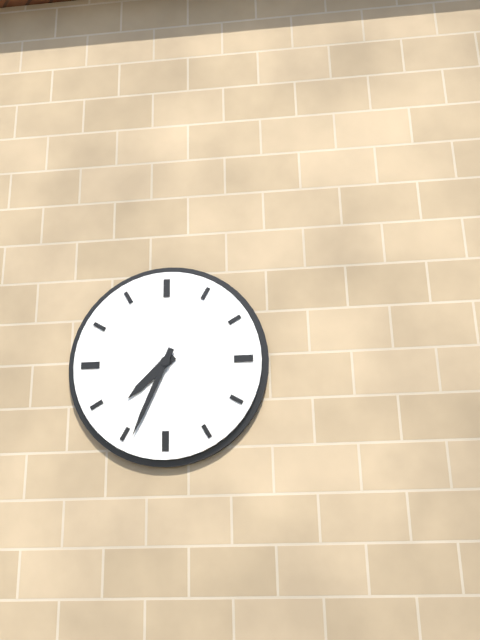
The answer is 7h34
